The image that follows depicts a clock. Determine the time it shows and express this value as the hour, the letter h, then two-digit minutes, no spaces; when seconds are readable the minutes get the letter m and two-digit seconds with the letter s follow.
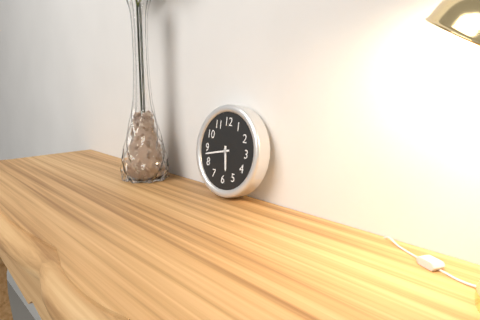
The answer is 5h43
